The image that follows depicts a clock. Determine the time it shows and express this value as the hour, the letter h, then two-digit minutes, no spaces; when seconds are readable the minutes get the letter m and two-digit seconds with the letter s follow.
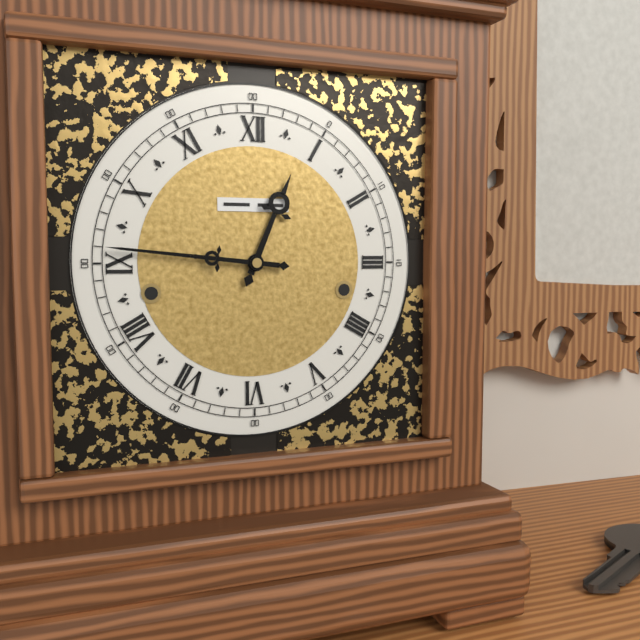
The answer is 12h46
